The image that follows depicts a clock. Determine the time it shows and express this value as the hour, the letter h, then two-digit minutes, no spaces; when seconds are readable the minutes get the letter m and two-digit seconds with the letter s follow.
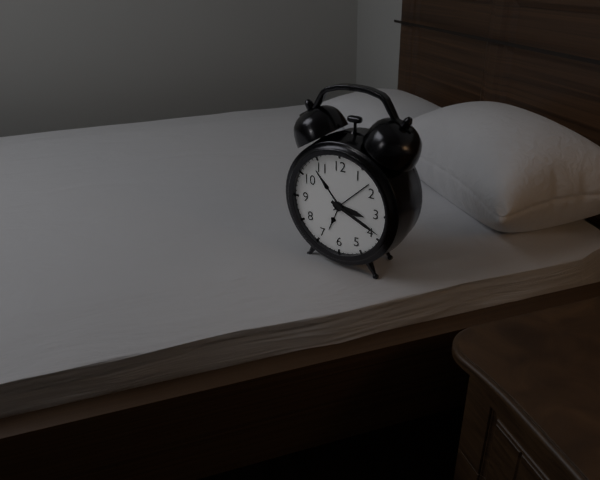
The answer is 3h19
